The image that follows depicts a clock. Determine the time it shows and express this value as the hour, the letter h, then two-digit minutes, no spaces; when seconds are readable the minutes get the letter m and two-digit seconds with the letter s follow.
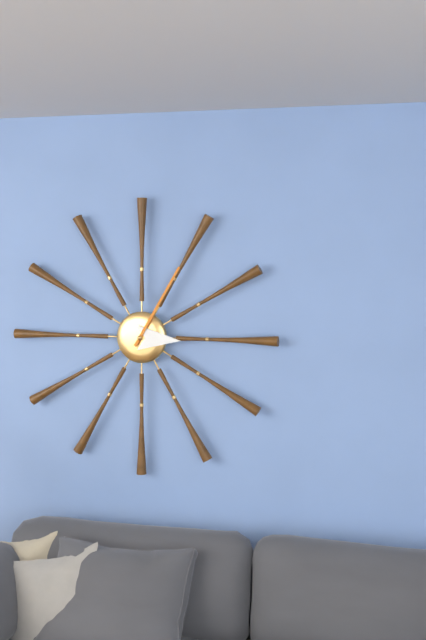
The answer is 3h05
